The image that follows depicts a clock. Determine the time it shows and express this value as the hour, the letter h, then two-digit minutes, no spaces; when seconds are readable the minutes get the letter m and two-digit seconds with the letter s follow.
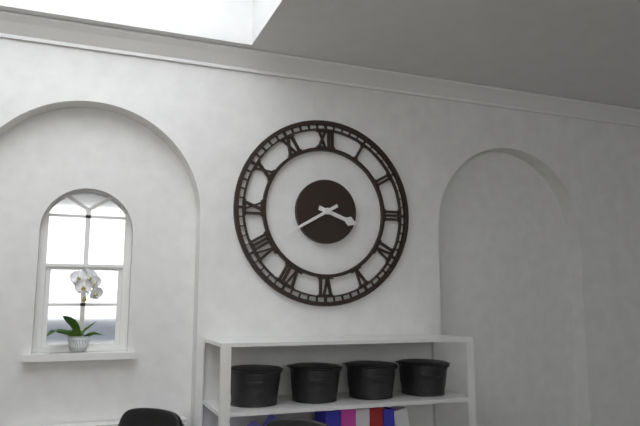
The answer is 3h40
